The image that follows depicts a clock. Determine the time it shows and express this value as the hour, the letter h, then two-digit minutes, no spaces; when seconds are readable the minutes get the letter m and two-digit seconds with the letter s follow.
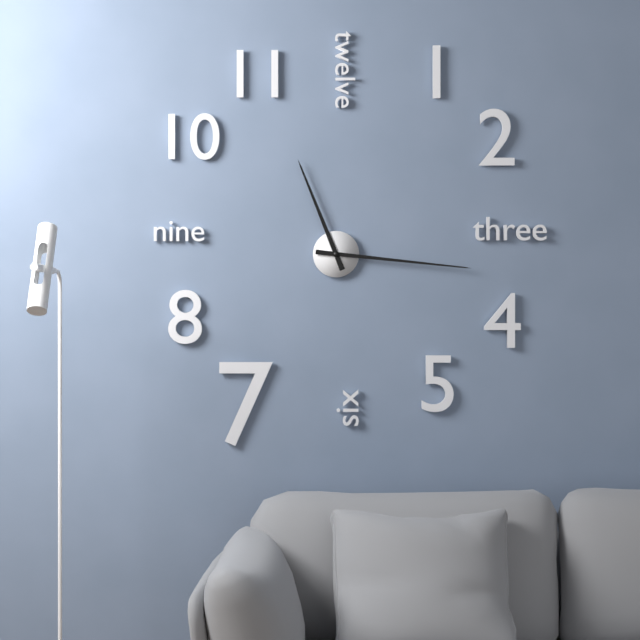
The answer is 11h16
